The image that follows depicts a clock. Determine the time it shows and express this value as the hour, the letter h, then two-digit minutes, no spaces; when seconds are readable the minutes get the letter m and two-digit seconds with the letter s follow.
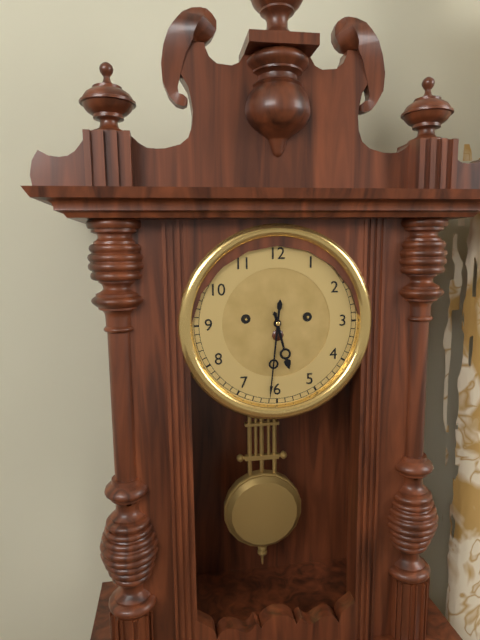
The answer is 5h31
